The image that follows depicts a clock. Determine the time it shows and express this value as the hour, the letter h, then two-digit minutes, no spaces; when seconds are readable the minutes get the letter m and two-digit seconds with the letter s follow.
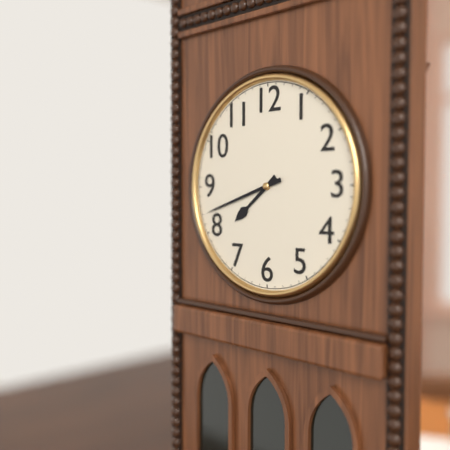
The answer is 7h42
